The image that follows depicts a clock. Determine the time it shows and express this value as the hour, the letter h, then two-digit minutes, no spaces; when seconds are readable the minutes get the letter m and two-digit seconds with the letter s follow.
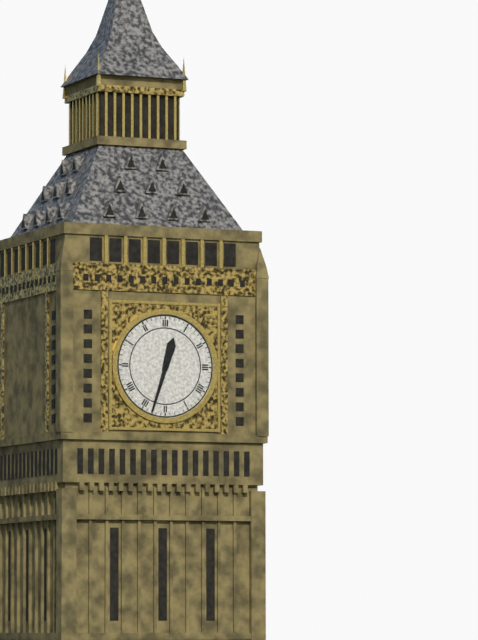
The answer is 12h33
